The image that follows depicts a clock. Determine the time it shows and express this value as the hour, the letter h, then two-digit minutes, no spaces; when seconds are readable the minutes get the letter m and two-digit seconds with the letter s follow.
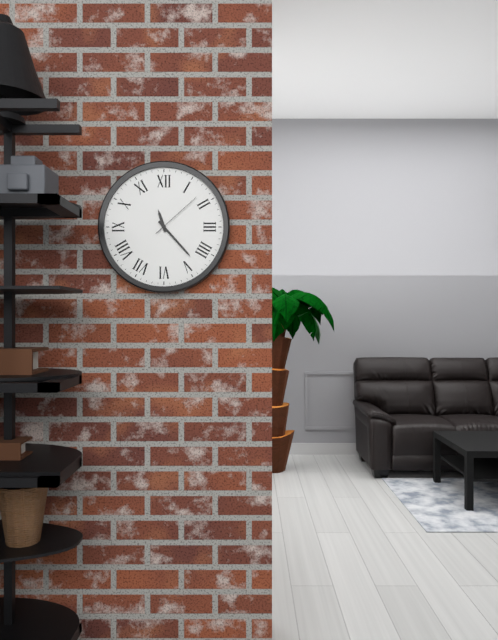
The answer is 11h23m08s
